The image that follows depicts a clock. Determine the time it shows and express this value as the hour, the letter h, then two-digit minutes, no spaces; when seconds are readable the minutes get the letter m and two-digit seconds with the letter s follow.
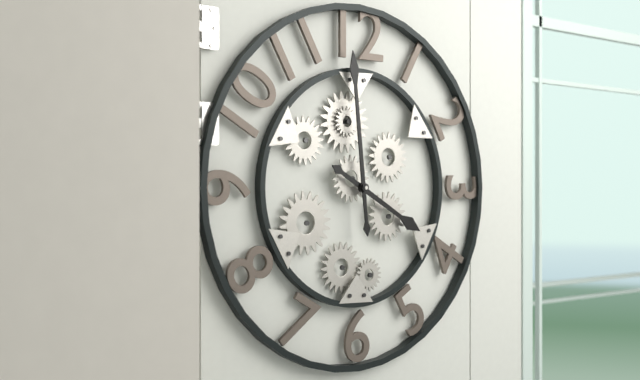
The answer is 3h59
